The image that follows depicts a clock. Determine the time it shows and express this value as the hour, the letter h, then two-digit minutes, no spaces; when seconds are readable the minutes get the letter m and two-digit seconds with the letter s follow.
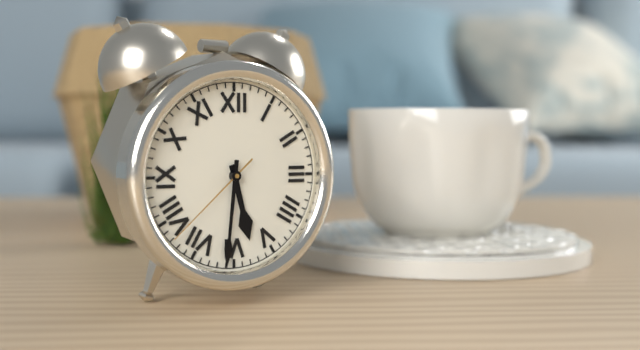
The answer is 5h31m38s
